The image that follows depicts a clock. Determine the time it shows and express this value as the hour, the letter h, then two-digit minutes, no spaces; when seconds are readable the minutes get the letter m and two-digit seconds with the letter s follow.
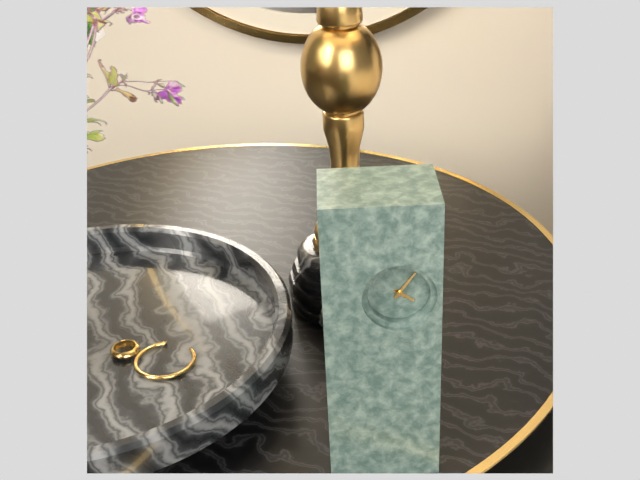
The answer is 4h06
